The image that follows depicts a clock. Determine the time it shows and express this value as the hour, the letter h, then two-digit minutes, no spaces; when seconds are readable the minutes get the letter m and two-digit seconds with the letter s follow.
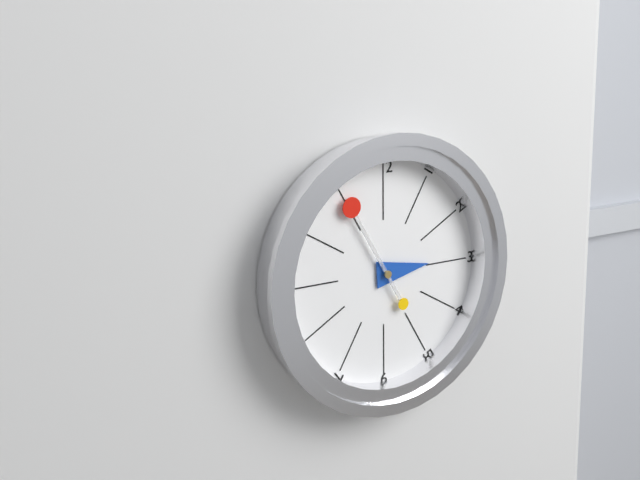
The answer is 2h55
